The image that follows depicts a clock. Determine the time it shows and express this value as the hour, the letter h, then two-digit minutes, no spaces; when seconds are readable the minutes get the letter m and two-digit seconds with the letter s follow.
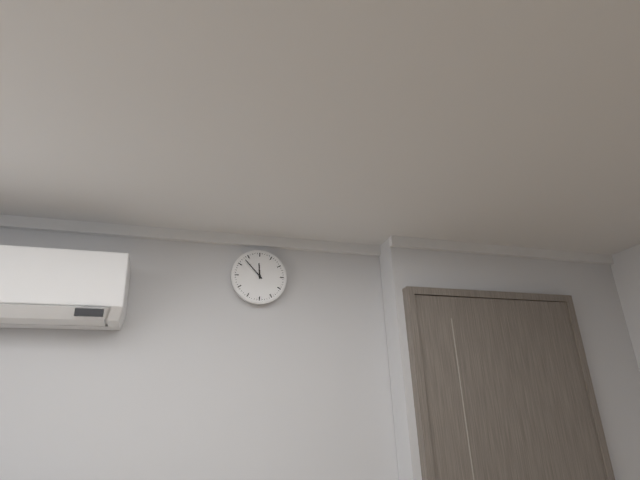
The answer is 11h53
